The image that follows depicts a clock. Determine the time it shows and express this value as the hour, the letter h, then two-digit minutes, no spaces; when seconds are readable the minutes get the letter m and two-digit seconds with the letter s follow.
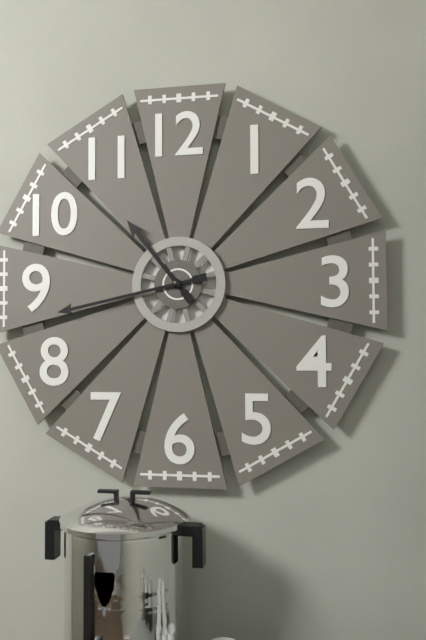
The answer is 10h43
